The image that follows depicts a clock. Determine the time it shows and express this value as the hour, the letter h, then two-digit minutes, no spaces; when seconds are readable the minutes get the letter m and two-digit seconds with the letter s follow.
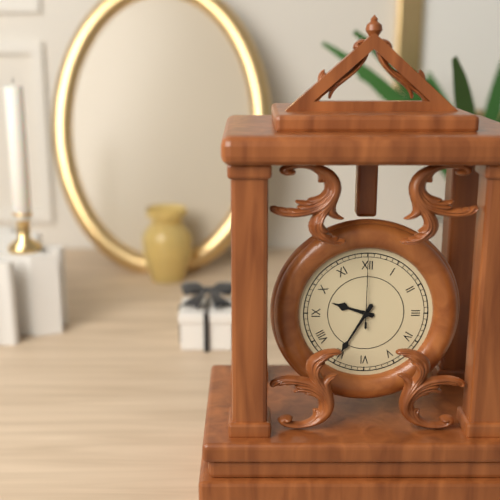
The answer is 9h35m00s
